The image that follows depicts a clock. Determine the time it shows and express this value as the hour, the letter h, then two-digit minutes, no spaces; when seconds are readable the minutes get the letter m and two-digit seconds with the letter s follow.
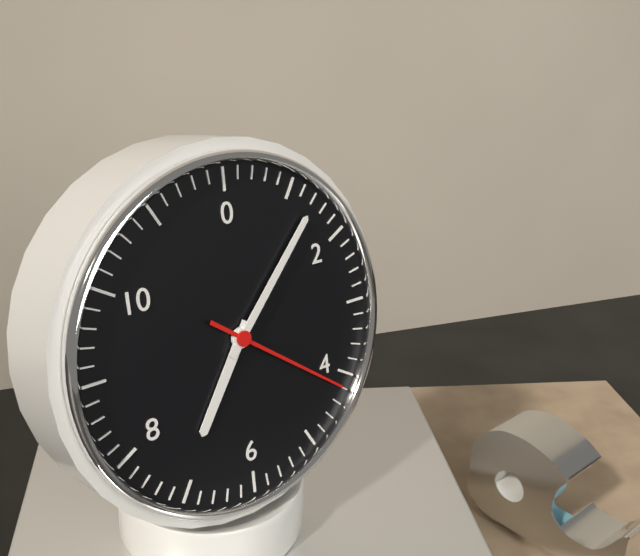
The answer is 7h07m21s
